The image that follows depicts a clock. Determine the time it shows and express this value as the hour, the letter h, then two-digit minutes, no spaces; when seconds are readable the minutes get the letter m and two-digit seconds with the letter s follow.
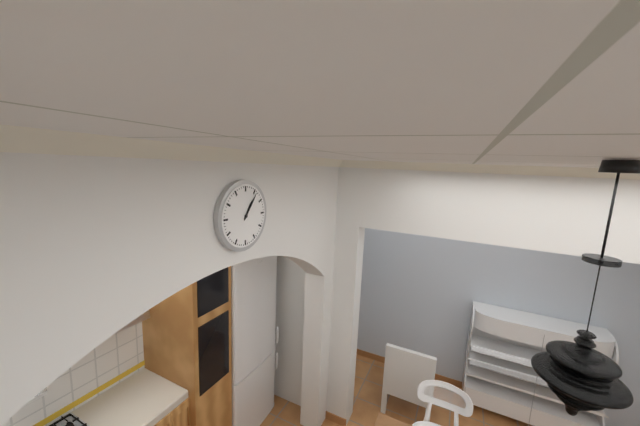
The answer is 1h06
